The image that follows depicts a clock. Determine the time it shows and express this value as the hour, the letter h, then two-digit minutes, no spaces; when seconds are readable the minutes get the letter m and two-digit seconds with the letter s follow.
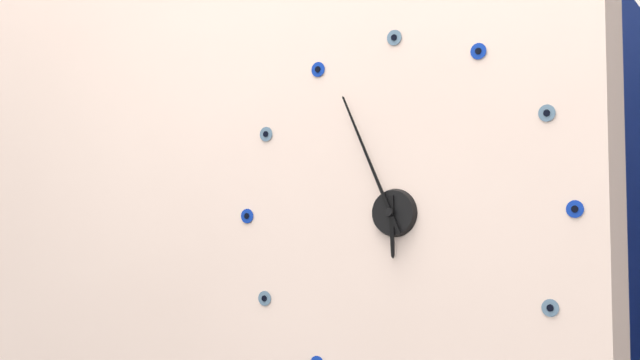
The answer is 5h56
